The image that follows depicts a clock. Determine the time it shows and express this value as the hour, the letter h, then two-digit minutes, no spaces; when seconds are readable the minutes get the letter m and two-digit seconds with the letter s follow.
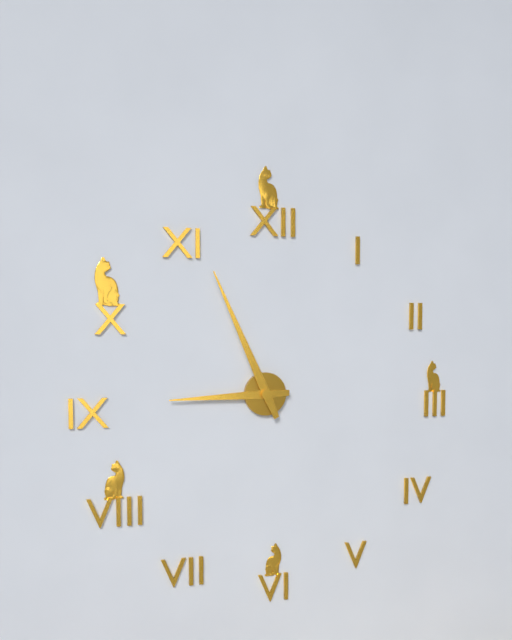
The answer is 8h56
